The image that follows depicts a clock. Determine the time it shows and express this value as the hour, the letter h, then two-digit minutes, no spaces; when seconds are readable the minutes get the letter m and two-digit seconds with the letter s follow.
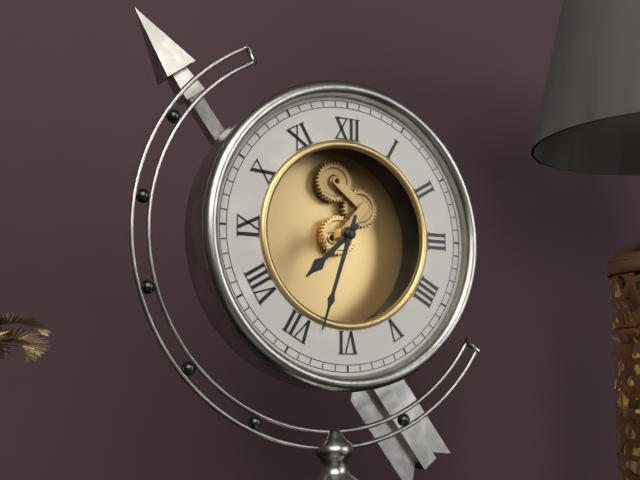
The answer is 7h33
